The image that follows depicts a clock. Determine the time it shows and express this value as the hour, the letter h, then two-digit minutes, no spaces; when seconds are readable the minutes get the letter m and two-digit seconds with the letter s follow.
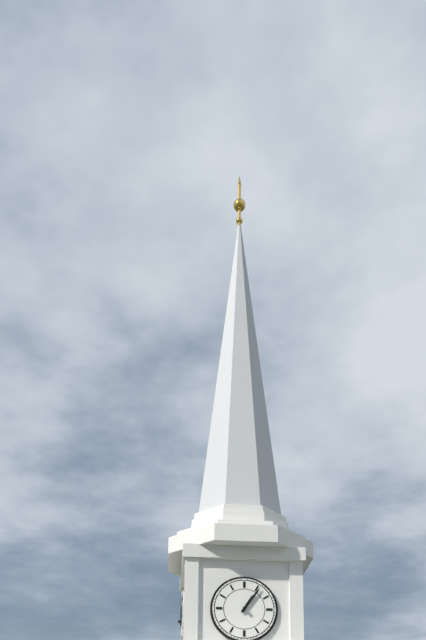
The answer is 1h06
